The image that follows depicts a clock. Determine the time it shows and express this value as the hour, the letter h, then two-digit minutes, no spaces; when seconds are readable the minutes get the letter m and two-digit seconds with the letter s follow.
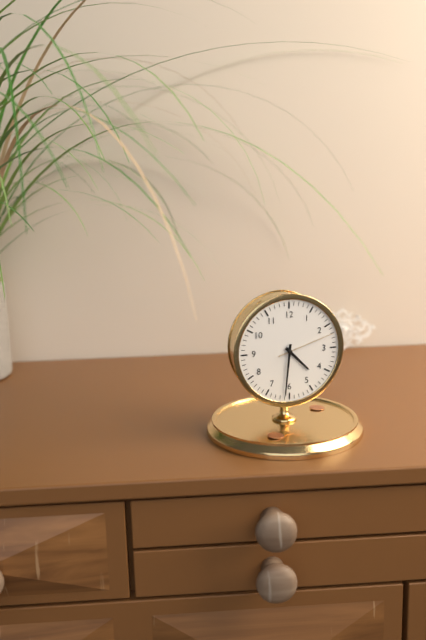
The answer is 4h31m12s
